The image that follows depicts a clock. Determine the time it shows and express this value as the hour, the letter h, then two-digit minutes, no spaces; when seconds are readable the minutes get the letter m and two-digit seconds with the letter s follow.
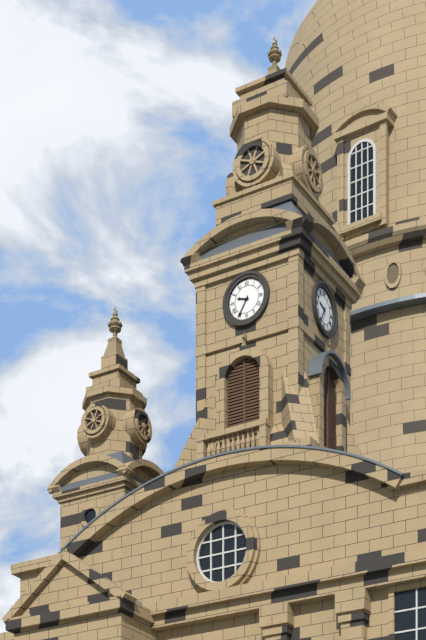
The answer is 9h35
